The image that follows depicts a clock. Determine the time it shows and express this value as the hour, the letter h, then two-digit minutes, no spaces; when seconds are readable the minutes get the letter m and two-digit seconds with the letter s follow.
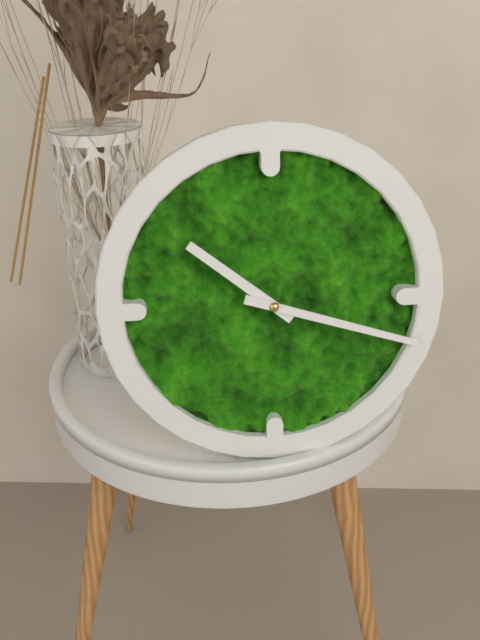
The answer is 10h18
